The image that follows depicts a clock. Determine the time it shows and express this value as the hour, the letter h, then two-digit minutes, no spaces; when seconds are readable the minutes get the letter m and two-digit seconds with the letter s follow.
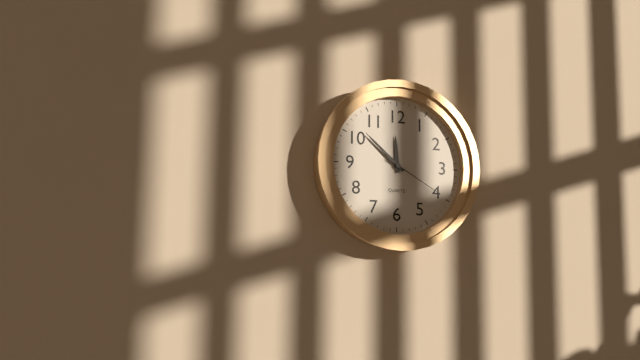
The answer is 11h52m20s
